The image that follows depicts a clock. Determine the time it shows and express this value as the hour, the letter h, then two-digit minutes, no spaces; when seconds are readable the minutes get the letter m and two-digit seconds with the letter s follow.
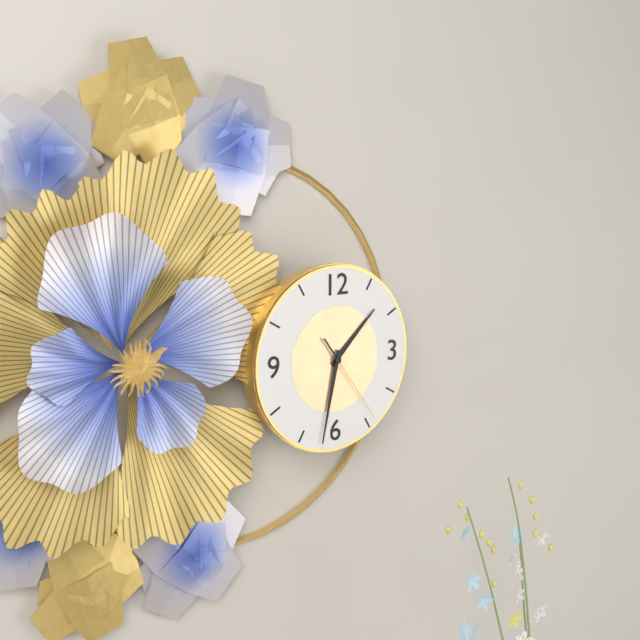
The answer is 1h32m24s
